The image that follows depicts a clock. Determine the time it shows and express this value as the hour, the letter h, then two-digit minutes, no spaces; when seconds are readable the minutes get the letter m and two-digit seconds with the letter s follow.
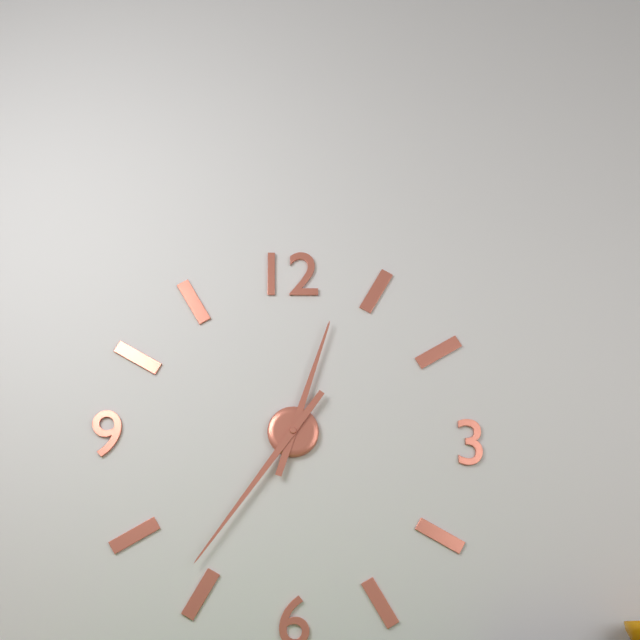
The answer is 12h36
